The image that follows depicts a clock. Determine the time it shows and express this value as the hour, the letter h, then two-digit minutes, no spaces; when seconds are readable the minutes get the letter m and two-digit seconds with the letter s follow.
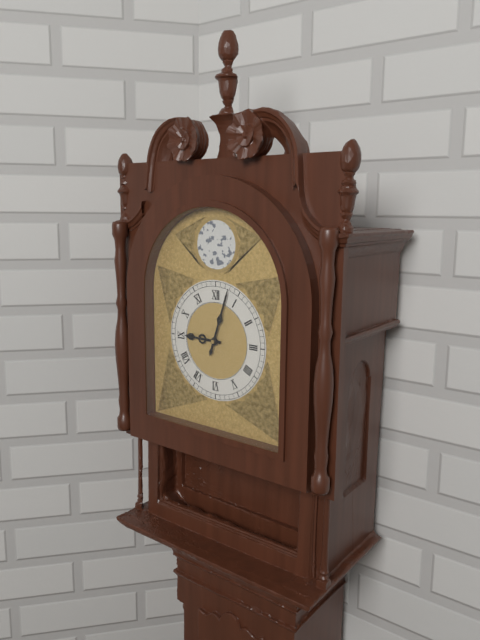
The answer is 9h03
